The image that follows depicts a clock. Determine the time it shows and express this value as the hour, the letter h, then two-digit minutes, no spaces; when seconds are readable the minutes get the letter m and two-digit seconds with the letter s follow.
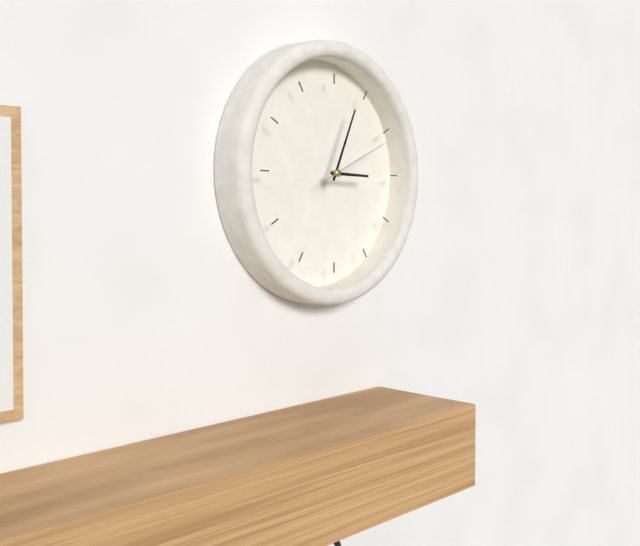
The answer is 3h04m11s
